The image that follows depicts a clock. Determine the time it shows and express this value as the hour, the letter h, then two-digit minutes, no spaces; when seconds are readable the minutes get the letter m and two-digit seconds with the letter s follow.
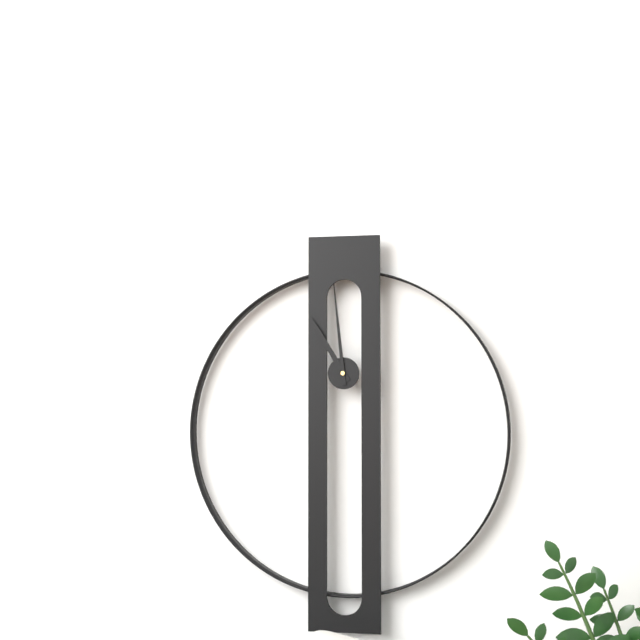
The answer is 10h59
